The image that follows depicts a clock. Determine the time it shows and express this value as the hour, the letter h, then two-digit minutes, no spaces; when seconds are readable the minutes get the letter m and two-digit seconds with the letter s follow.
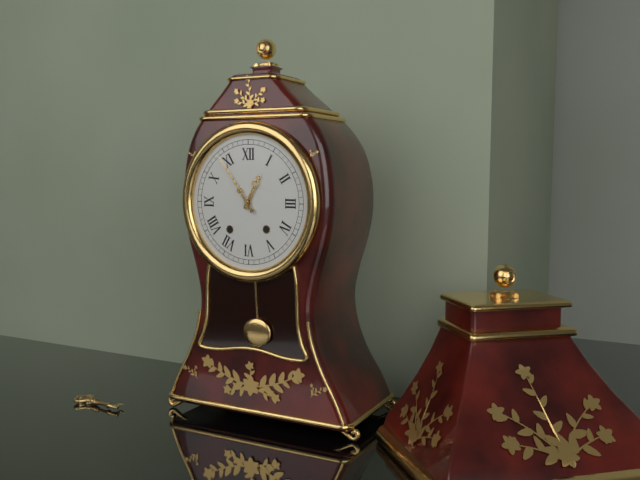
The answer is 12h54
